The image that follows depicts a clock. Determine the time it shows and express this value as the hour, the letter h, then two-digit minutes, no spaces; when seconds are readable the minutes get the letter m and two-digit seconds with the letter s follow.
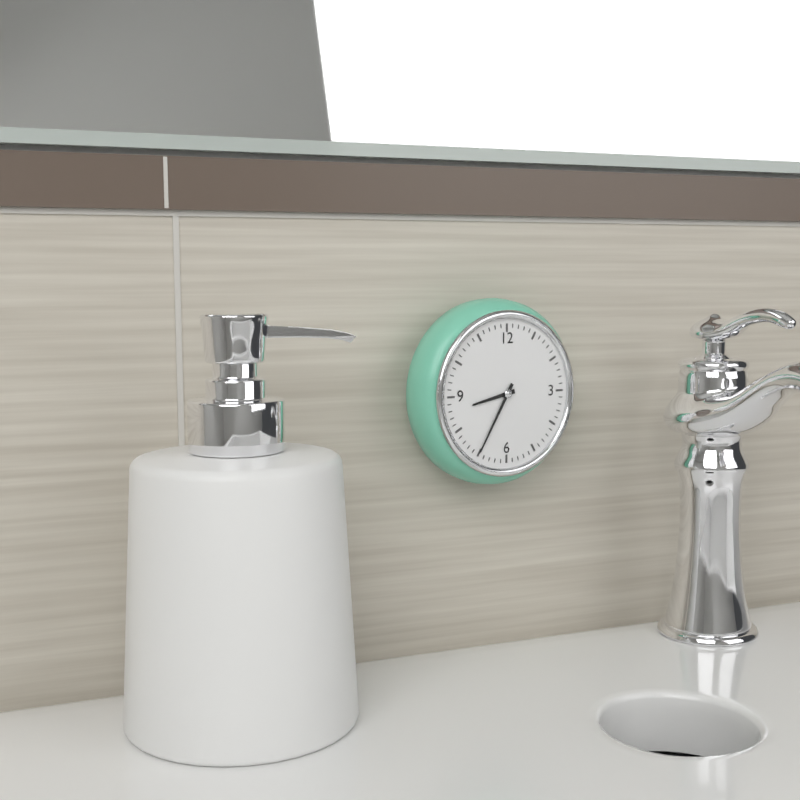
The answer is 8h35
